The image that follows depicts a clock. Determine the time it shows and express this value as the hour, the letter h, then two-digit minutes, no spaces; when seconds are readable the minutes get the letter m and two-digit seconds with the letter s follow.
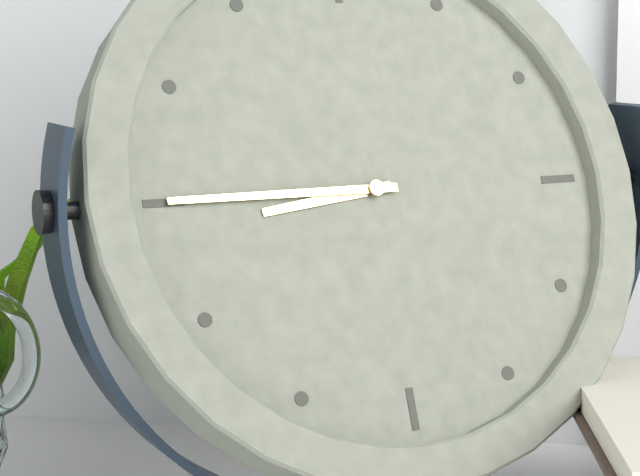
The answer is 8h45
